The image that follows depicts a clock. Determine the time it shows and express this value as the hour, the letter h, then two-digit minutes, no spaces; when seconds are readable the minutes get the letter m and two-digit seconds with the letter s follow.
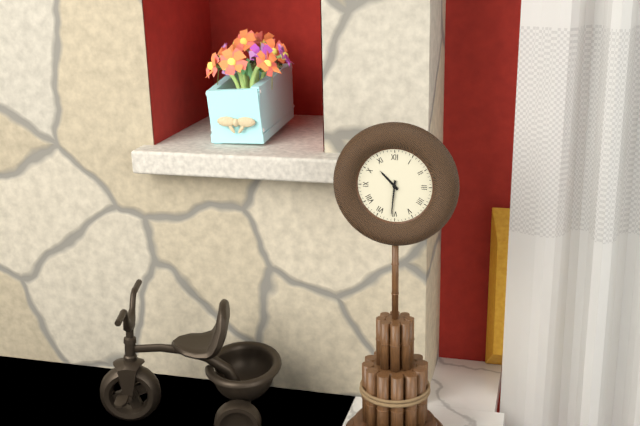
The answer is 10h31
